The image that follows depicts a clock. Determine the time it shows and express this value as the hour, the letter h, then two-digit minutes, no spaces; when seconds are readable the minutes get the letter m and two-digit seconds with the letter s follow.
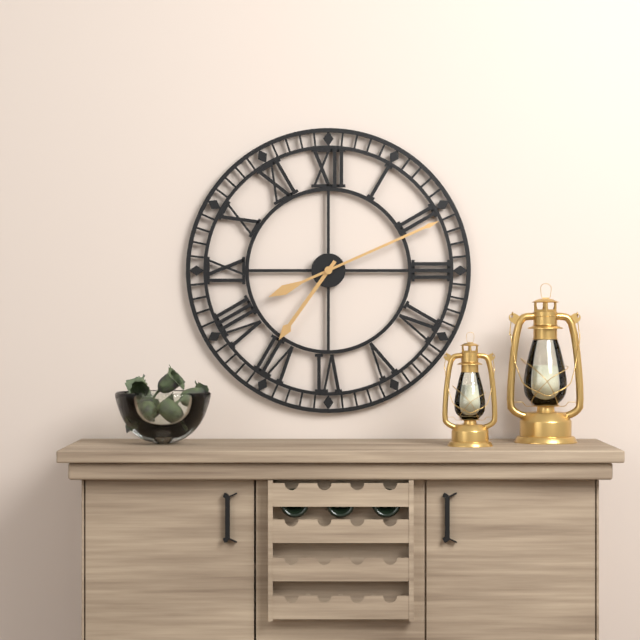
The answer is 7h11
